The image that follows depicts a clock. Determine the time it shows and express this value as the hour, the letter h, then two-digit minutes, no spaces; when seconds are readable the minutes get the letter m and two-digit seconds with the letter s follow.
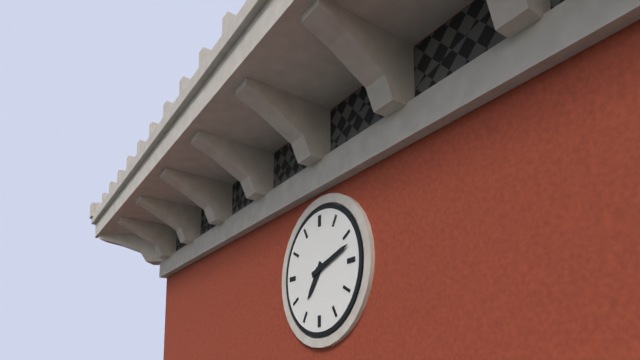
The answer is 7h12
